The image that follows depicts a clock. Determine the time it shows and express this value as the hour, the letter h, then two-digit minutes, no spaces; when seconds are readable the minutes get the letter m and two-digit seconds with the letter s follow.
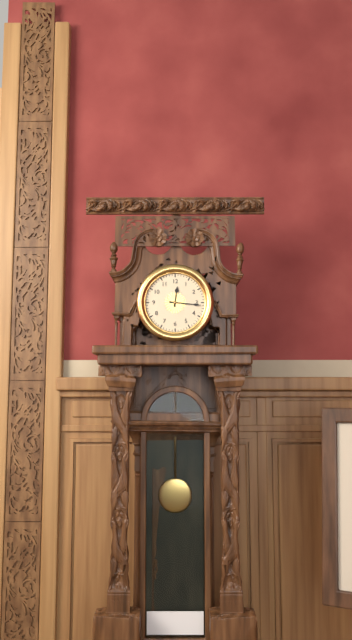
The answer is 12h16
